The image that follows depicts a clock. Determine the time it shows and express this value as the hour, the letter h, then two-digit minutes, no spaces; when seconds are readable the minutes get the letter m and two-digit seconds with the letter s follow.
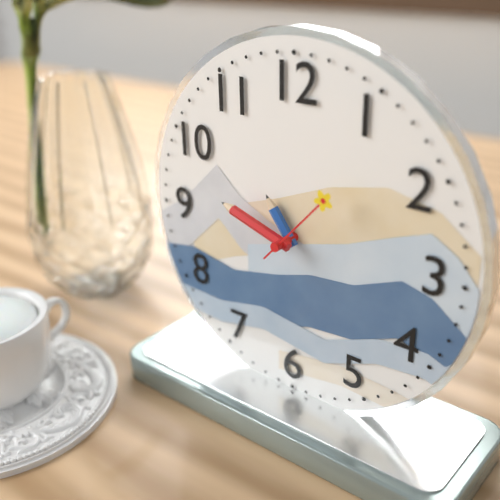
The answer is 10h48m07s
